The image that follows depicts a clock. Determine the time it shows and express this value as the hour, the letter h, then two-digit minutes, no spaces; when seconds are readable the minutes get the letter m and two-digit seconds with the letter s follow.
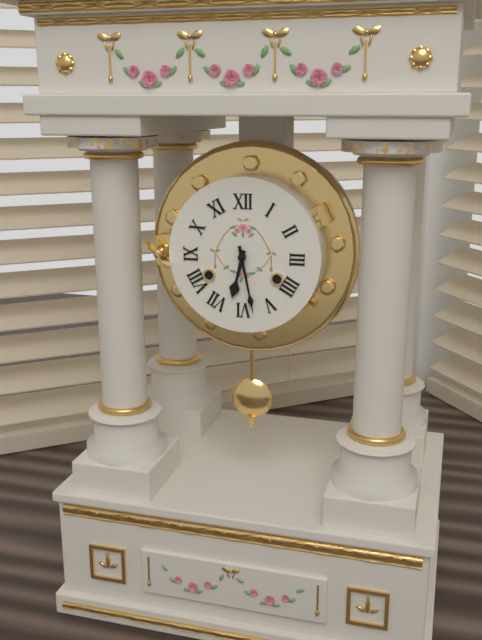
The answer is 6h28
